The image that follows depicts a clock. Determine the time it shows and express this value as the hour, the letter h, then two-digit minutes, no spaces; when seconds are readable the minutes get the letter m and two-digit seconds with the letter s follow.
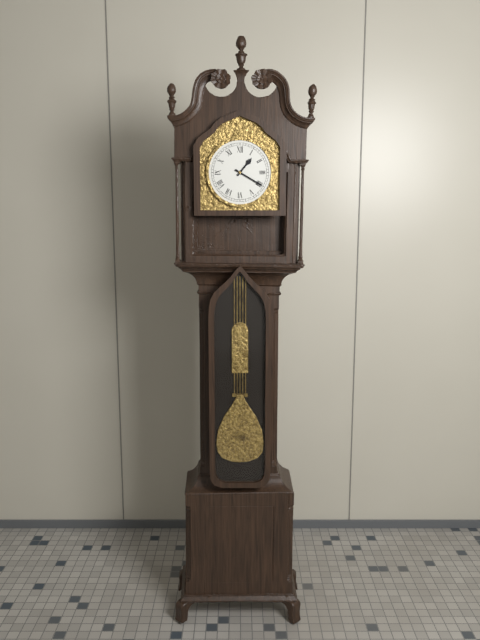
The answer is 1h20
